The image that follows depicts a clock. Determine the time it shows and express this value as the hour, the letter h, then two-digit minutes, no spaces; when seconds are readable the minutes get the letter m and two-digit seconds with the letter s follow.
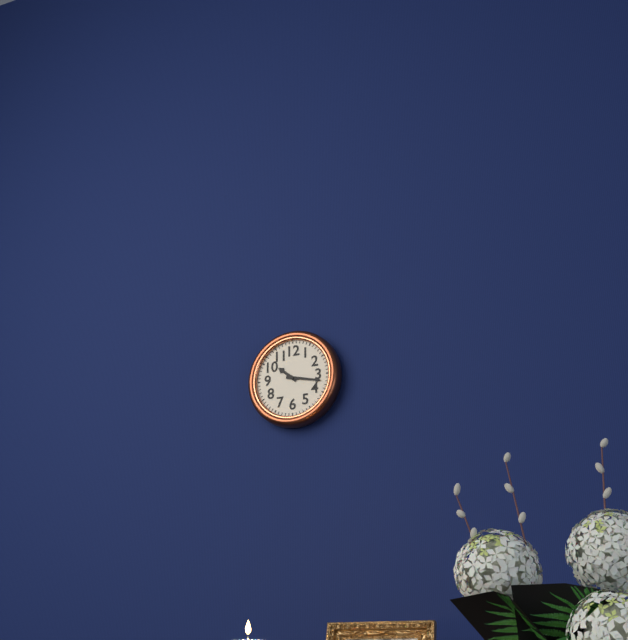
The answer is 10h17
